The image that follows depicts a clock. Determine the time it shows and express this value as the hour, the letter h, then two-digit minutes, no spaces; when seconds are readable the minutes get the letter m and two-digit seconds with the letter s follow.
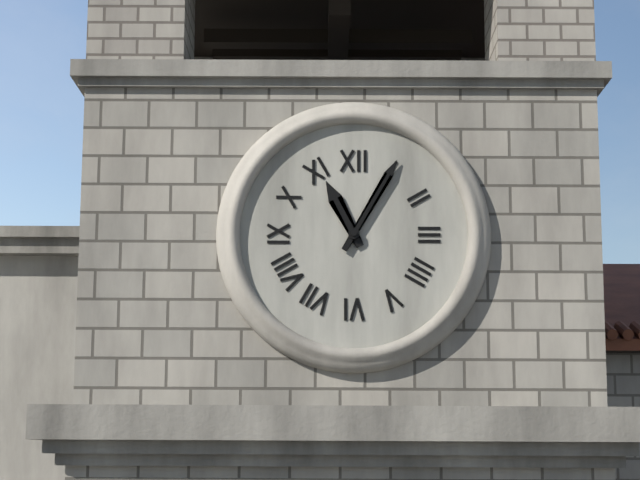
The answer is 11h05
